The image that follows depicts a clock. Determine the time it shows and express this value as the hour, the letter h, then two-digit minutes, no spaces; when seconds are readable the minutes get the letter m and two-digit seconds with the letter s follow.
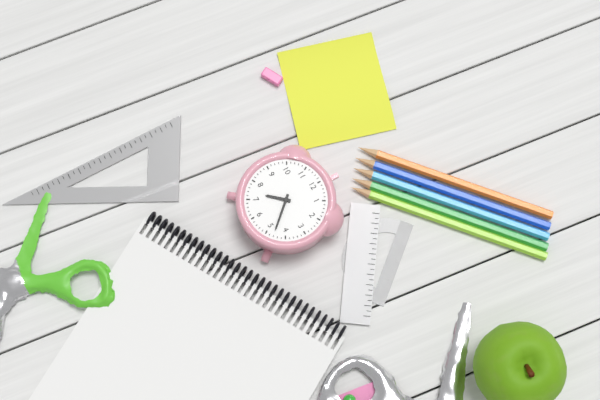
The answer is 7h23
